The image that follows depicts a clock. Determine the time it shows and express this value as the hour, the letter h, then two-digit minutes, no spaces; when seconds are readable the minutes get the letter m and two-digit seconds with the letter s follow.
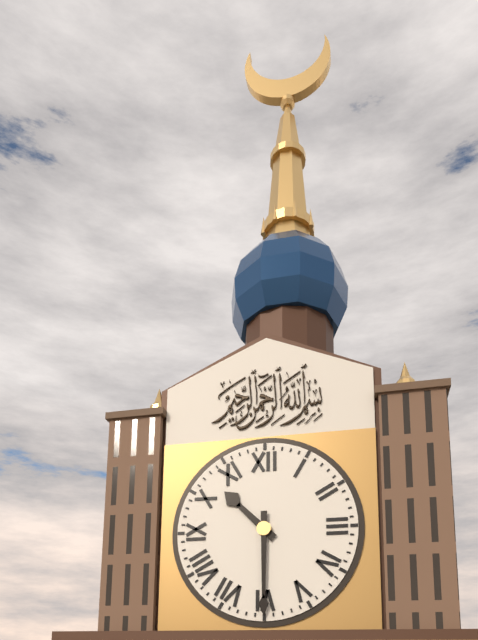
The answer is 10h30
